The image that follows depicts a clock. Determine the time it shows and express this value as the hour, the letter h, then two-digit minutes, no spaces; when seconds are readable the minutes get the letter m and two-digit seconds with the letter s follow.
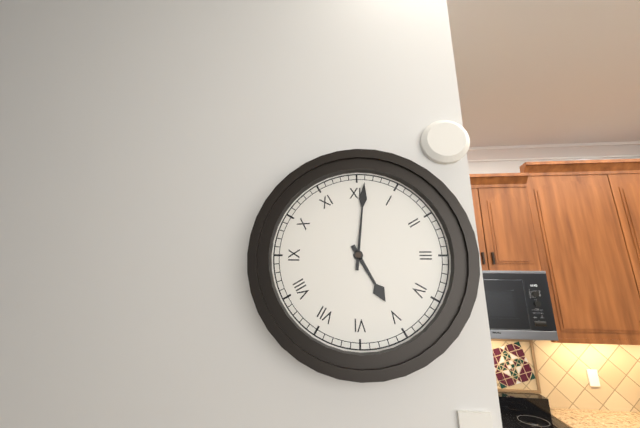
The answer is 5h01
